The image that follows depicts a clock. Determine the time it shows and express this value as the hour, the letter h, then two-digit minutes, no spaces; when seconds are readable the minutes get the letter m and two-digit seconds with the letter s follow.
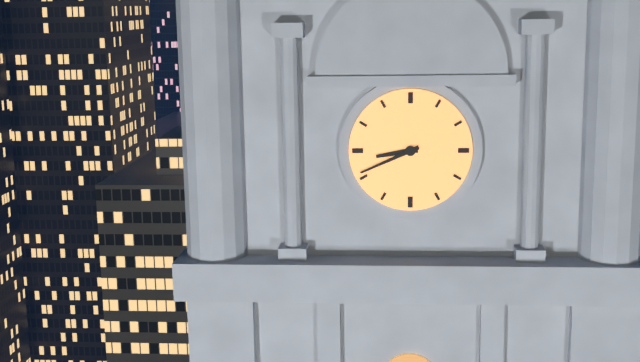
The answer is 8h41
